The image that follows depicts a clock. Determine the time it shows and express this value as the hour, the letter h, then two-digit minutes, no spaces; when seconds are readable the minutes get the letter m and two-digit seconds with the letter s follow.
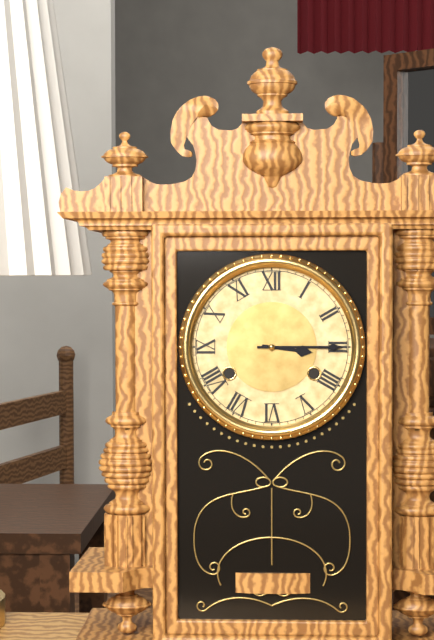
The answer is 3h15
